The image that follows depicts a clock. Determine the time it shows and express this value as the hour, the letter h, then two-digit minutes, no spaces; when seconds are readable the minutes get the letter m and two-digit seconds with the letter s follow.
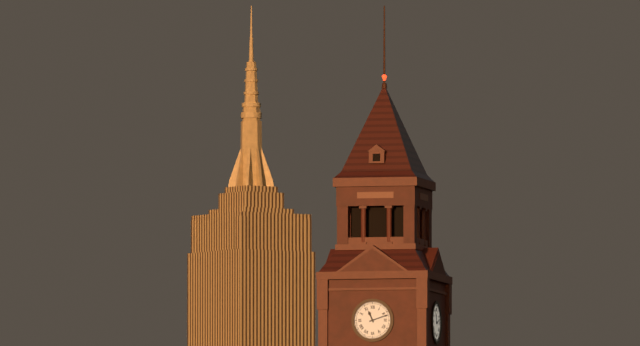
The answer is 11h12
